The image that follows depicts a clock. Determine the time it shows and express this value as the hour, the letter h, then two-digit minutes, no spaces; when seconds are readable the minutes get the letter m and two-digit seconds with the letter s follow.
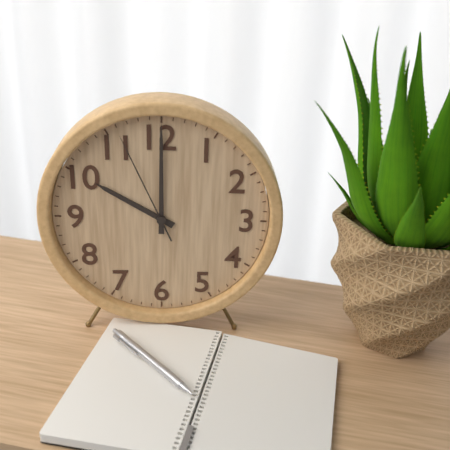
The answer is 10h00m56s
